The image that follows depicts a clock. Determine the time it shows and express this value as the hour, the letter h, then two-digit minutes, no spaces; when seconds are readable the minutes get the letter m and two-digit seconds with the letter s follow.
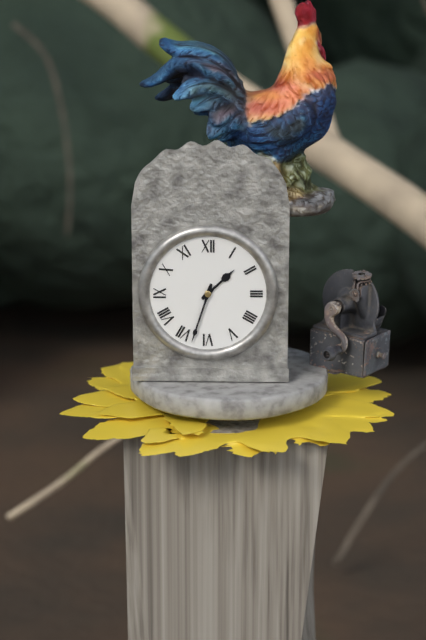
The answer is 1h33
